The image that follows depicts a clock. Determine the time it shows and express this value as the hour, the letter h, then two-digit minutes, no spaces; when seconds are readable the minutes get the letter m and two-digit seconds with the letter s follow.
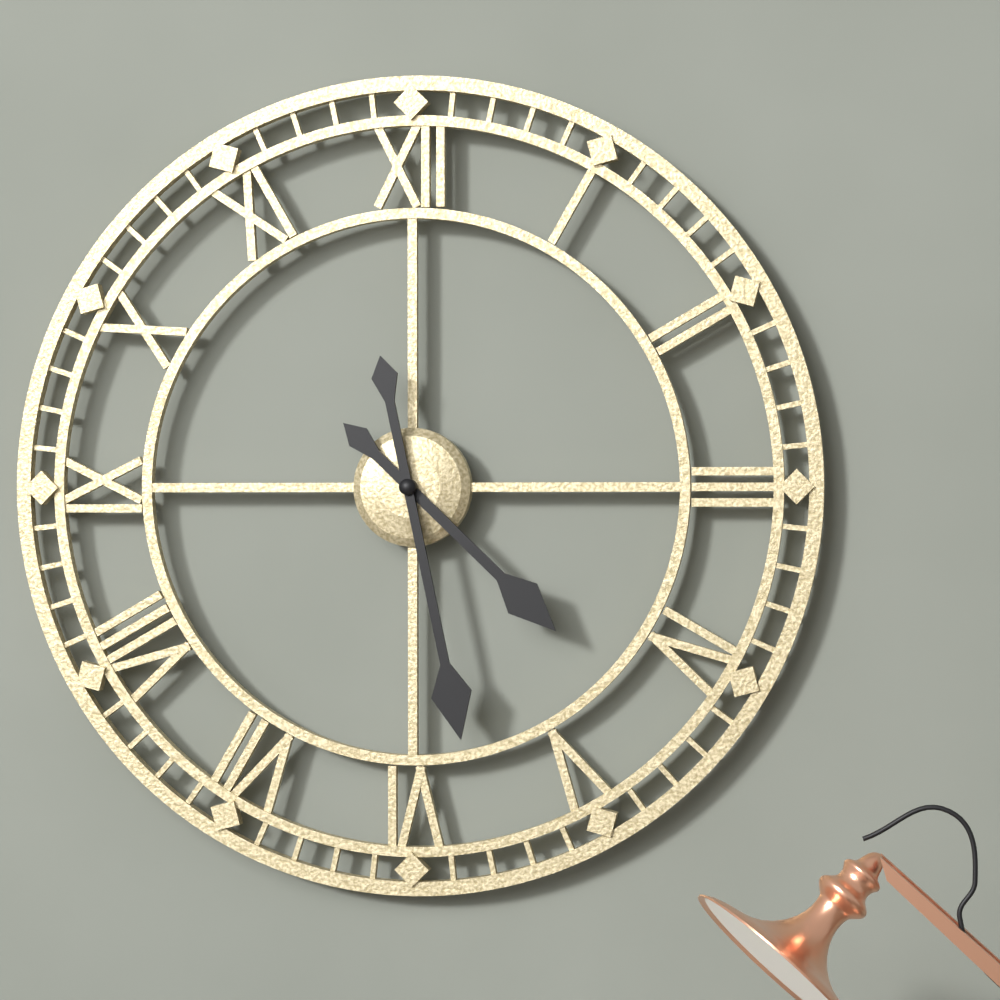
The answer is 4h28
